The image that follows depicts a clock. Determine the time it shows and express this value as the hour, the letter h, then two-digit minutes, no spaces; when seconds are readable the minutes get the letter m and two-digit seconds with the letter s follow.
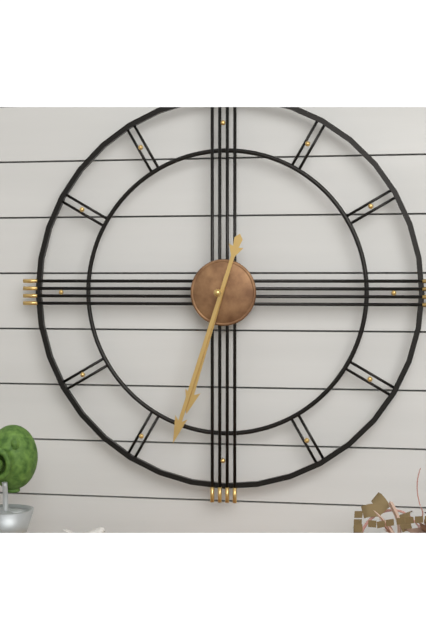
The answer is 6h33
